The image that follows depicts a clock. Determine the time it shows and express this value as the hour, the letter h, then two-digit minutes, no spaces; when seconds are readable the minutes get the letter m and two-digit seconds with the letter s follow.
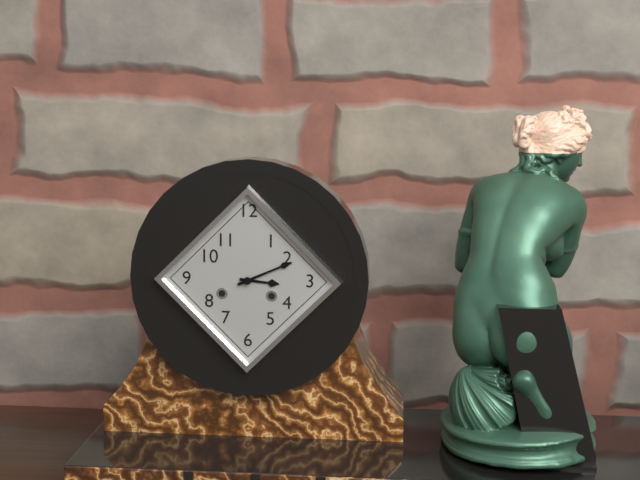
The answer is 3h11
